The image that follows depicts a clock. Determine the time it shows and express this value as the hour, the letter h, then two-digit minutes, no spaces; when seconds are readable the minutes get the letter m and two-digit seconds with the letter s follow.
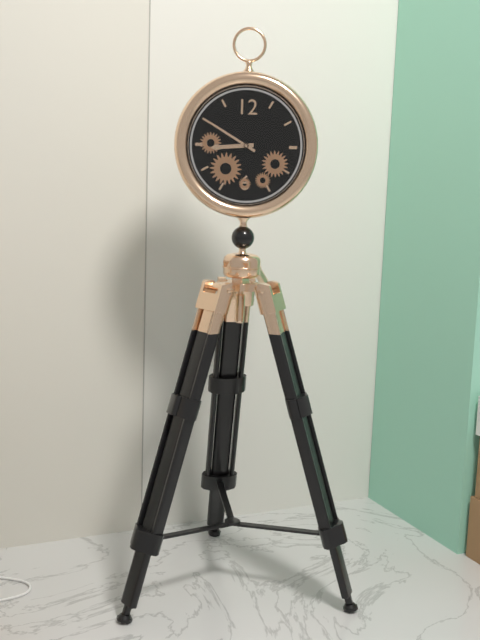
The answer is 8h50
